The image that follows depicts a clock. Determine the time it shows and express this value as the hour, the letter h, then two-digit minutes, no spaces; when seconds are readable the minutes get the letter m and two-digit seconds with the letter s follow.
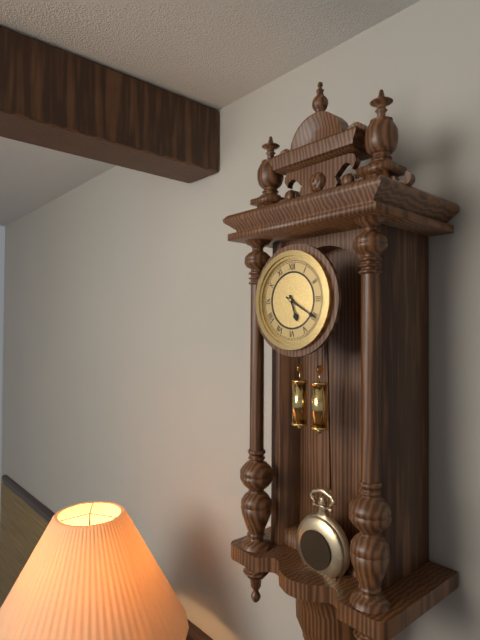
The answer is 5h20
